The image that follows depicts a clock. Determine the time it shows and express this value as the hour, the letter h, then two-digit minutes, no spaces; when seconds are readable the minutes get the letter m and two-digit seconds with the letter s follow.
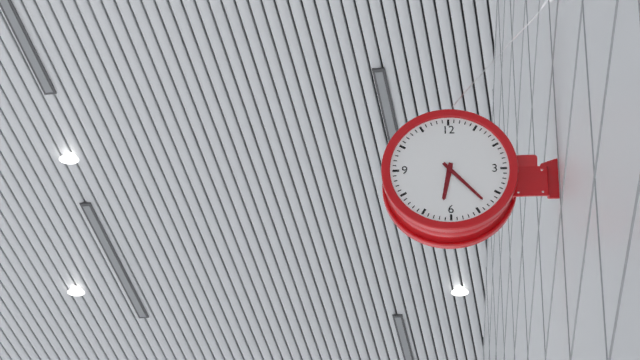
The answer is 6h23
